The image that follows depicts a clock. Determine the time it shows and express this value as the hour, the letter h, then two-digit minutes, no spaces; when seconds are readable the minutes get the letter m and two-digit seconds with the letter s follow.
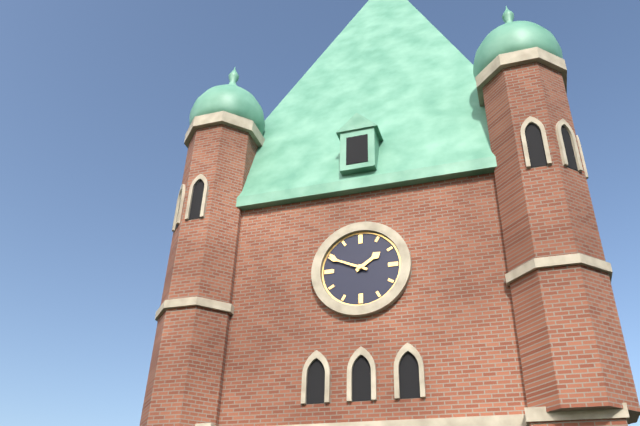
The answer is 1h49
